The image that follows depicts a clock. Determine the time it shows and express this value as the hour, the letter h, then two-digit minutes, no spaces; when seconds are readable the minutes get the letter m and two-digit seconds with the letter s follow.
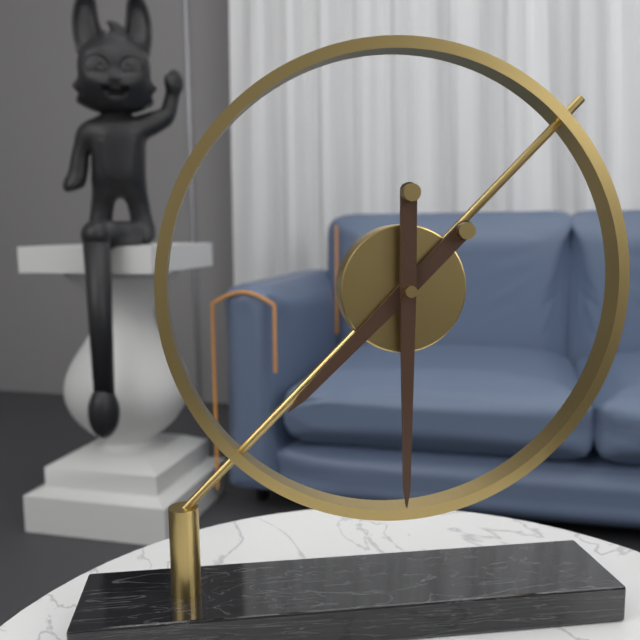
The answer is 7h30
